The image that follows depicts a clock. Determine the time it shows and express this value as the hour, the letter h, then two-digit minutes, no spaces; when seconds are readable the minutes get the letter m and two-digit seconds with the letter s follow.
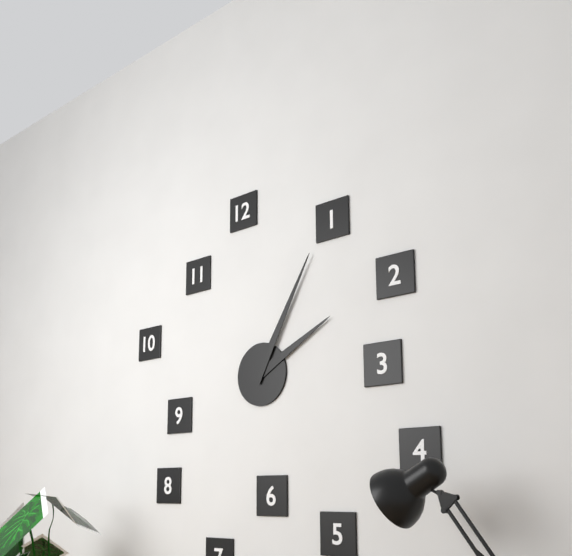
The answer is 2h05
